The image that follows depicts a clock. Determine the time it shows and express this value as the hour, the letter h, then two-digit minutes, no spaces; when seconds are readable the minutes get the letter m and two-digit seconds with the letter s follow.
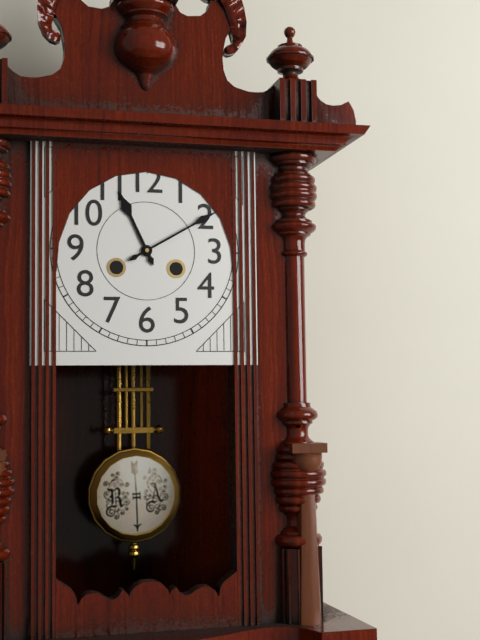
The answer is 11h10
